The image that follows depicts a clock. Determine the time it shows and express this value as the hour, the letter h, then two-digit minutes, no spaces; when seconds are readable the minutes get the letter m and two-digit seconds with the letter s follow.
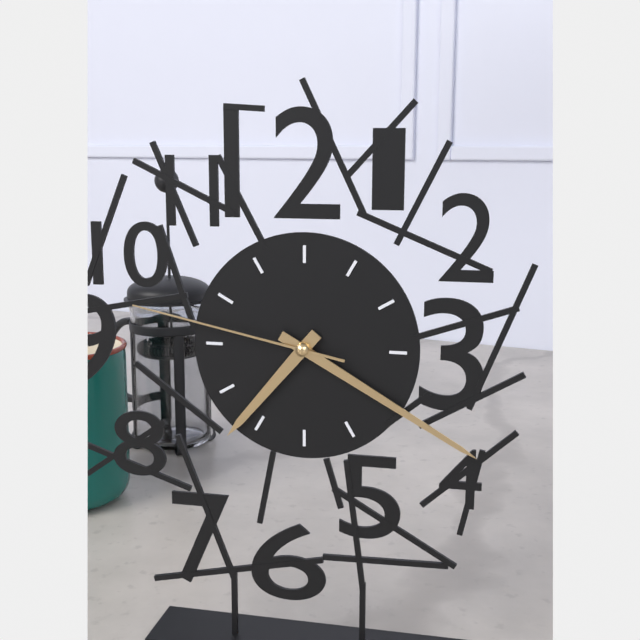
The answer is 7h20m47s
